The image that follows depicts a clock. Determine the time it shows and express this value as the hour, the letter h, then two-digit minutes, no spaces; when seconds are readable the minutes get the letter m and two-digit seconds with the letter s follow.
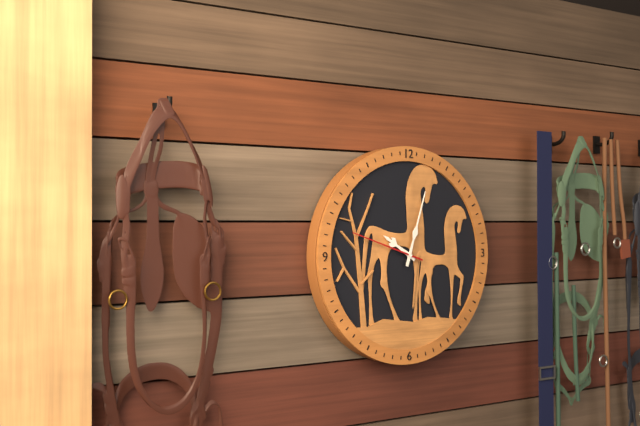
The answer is 10h03m48s
